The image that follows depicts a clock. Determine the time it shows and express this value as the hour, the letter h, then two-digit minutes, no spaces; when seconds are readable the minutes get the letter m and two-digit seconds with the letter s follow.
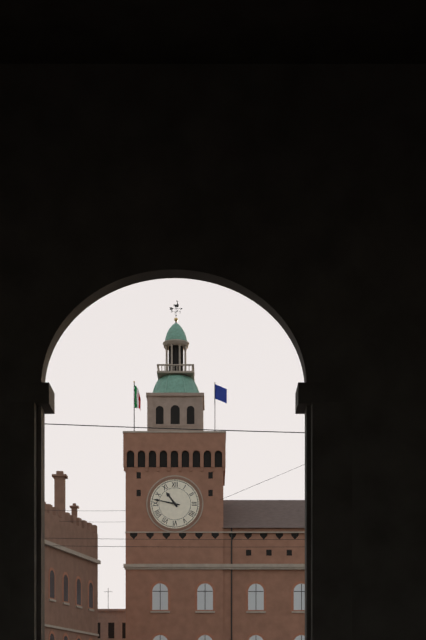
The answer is 10h47
